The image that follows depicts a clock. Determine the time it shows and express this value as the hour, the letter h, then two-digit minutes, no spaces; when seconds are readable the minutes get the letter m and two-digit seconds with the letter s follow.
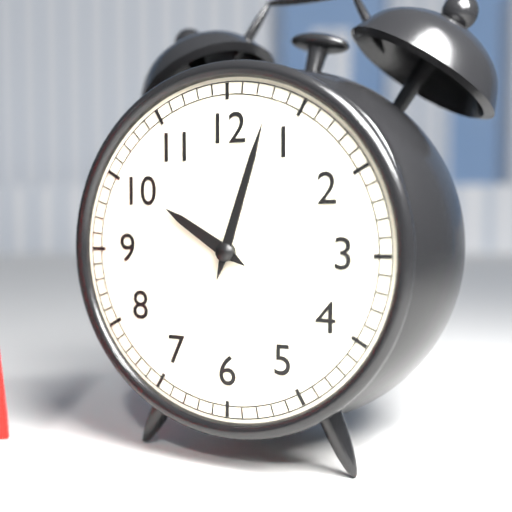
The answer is 10h03
